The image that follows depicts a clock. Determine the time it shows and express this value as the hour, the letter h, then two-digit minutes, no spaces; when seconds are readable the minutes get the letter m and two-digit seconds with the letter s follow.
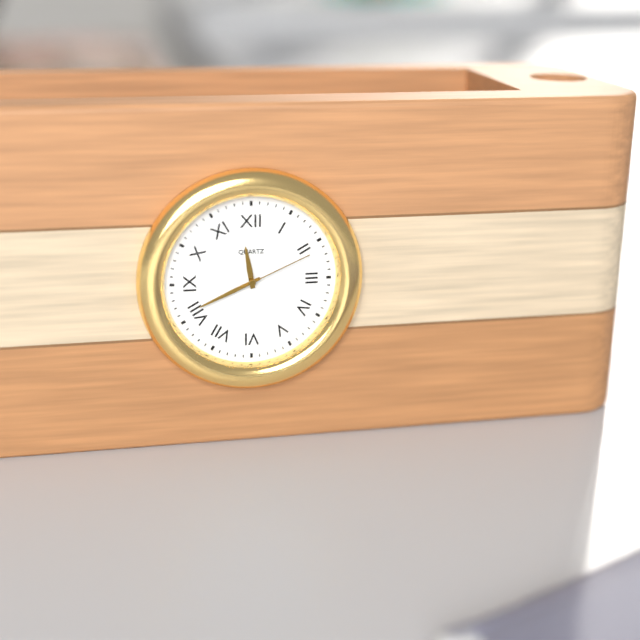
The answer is 11h41m11s
